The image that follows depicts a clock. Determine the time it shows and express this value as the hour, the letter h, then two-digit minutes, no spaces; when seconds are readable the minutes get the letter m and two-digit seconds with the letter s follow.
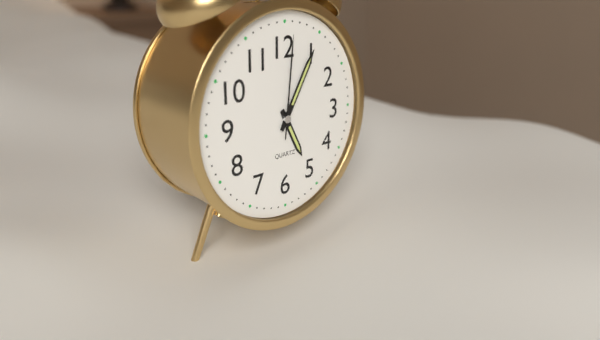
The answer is 5h05m01s
